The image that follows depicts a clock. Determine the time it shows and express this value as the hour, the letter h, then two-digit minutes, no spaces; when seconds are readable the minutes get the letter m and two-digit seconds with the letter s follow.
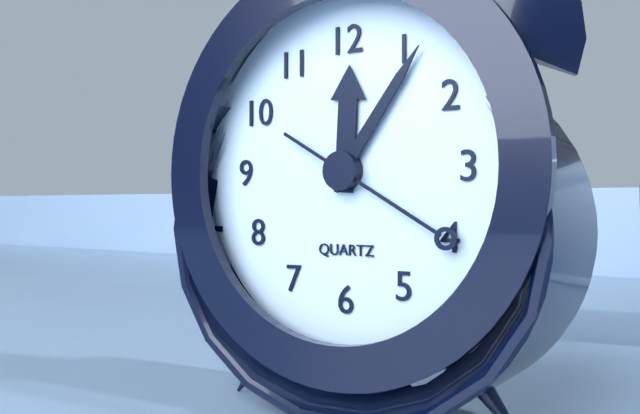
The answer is 12h06m20s
